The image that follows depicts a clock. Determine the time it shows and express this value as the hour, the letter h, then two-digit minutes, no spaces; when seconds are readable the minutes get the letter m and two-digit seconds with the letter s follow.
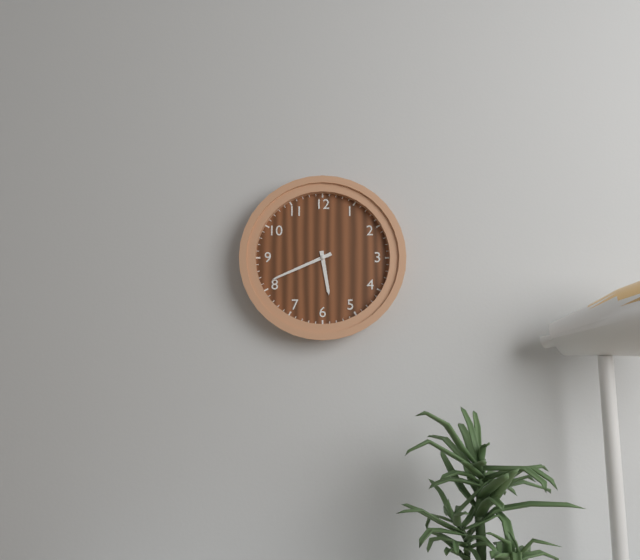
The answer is 5h41
